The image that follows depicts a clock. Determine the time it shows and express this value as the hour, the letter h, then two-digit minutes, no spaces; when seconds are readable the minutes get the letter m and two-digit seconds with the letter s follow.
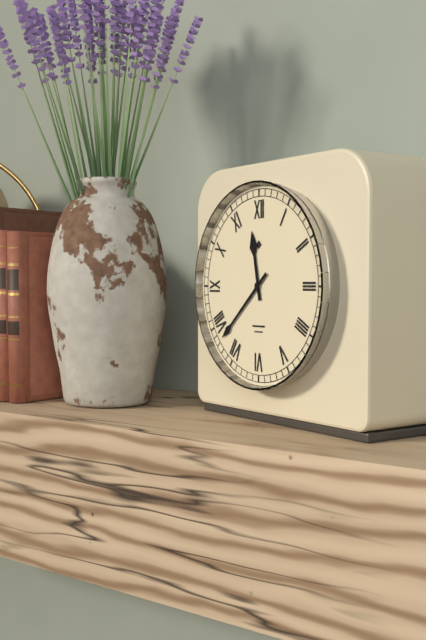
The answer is 11h38
